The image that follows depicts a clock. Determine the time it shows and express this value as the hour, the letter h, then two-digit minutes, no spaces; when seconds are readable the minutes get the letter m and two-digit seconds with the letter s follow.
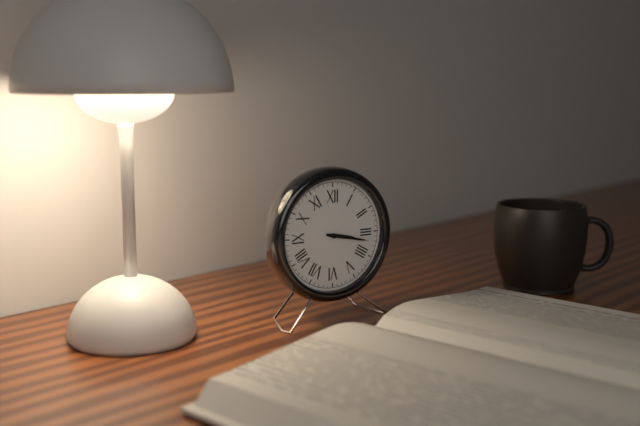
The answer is 3h17
